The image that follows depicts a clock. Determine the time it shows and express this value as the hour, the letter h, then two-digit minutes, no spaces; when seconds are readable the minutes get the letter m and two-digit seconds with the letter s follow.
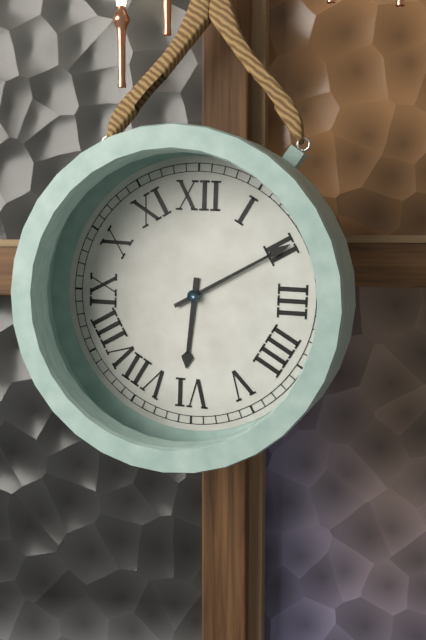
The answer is 6h10
